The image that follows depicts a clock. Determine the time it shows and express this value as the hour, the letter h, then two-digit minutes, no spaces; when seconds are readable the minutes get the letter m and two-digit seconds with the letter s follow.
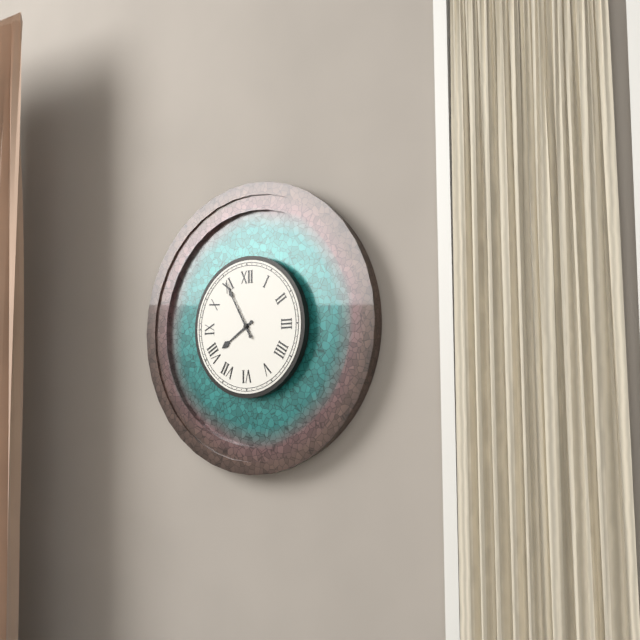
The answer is 7h55
